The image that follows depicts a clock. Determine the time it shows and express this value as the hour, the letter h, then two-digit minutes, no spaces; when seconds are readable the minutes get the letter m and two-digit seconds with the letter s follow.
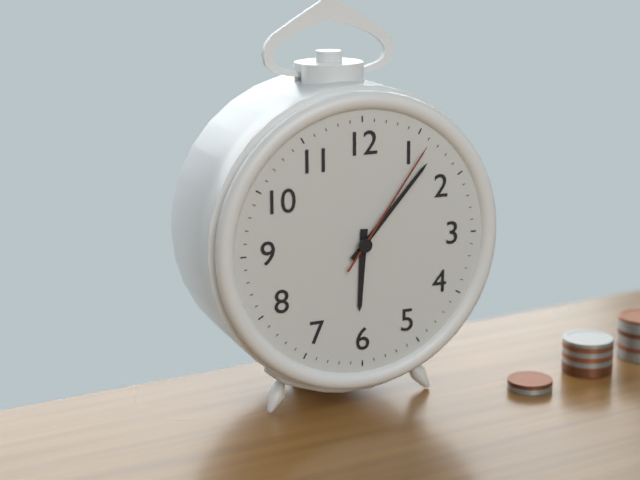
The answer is 6h07m06s
